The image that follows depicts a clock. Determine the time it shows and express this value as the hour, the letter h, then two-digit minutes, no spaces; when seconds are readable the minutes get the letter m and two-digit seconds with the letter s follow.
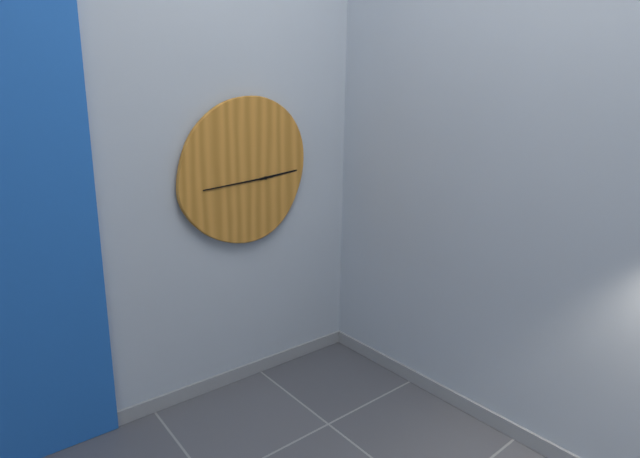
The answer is 2h44
